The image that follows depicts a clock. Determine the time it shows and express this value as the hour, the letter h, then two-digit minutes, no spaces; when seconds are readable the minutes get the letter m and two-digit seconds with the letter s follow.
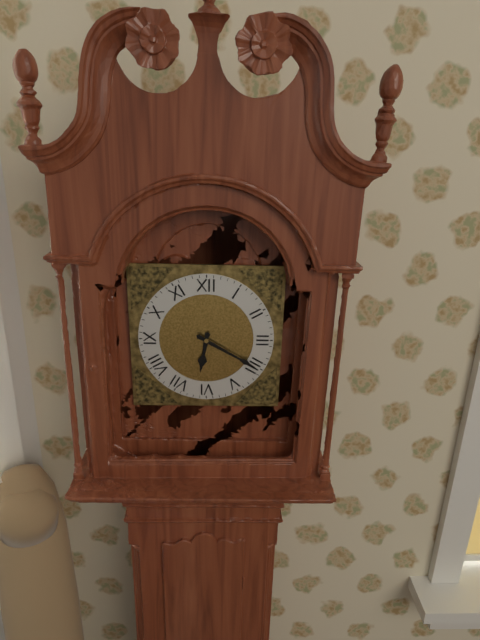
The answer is 6h20
